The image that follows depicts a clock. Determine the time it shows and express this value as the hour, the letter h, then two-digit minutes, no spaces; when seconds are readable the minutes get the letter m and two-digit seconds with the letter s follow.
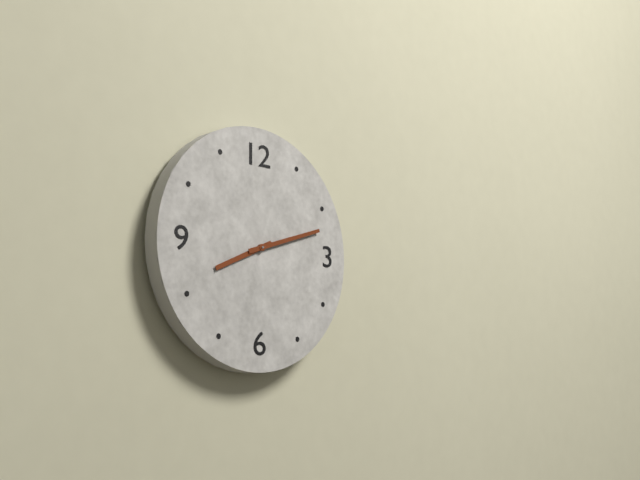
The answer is 8h12
